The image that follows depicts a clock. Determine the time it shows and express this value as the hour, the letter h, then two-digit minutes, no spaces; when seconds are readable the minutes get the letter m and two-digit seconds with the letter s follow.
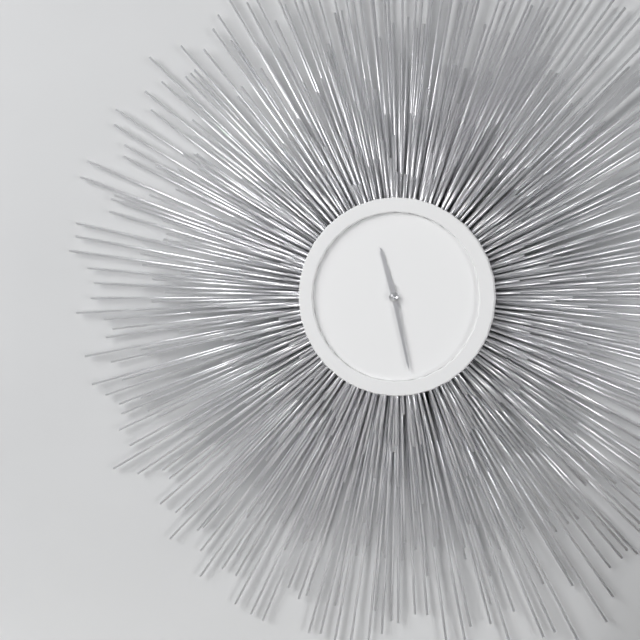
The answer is 11h28
